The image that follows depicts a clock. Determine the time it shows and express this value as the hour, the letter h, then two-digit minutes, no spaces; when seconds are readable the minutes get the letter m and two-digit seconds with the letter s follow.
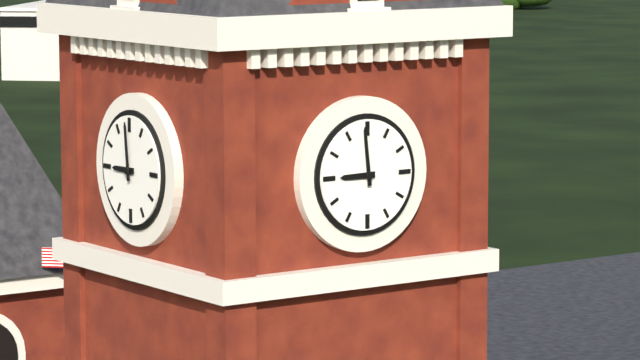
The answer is 8h59
